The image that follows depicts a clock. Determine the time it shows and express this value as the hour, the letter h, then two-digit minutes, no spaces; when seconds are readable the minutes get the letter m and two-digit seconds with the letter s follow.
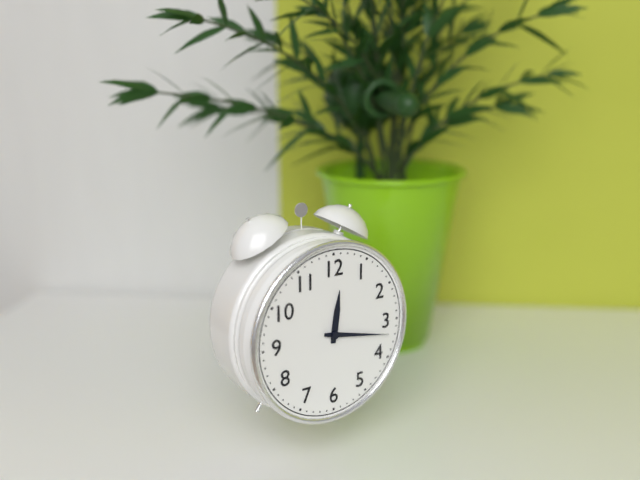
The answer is 12h17
